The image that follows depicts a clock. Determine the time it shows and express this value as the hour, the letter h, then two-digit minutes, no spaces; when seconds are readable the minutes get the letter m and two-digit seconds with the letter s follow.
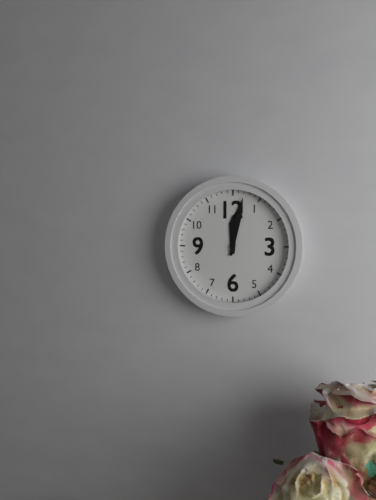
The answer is 12h02
